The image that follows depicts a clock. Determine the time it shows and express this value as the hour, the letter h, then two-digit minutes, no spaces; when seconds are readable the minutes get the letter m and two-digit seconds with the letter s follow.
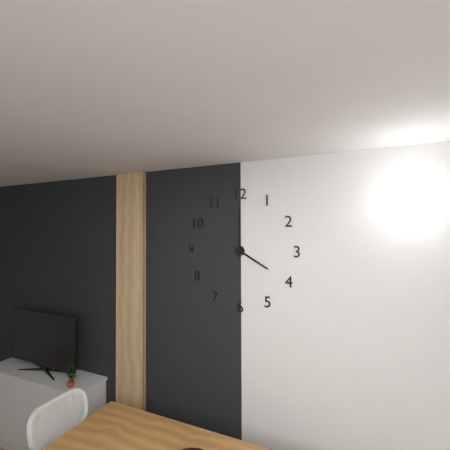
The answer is 4h00
